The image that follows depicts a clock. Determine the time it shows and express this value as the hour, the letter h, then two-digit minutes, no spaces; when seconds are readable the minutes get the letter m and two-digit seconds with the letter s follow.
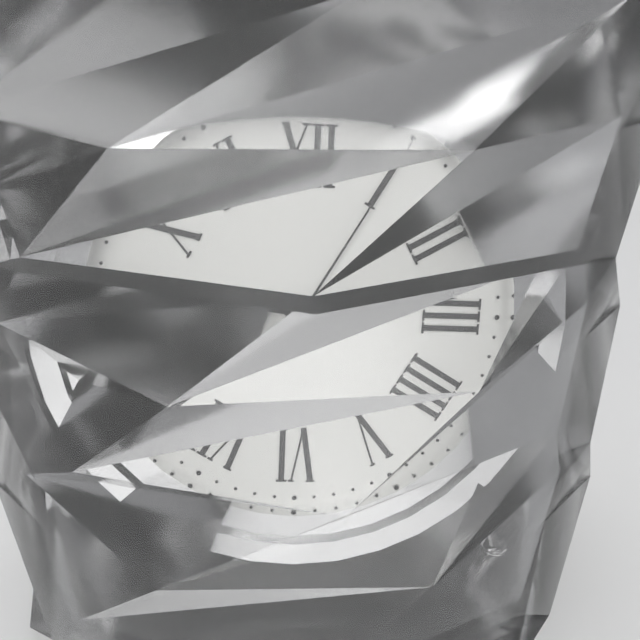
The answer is 2h46m05s
